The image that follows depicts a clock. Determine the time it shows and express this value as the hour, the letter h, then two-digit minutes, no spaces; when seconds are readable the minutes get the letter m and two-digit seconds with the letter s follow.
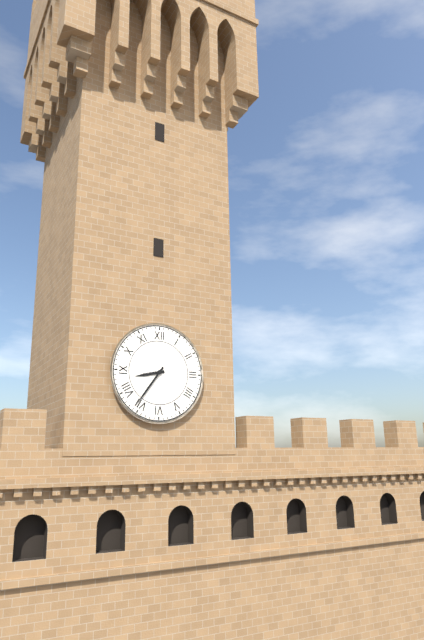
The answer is 8h36
